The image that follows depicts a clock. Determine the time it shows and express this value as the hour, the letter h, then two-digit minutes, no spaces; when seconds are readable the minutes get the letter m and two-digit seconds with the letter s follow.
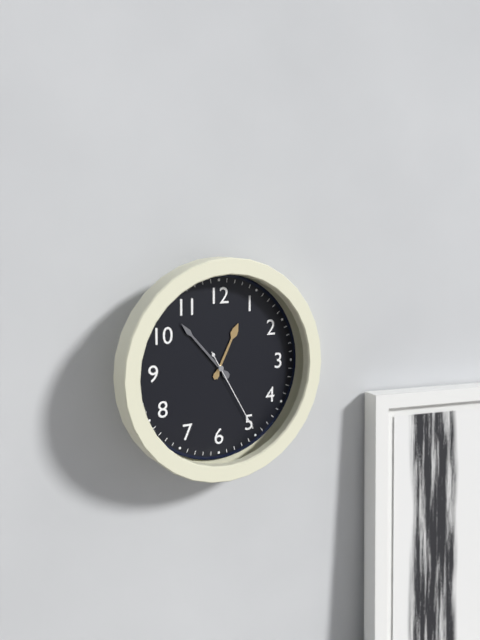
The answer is 12h53m25s
